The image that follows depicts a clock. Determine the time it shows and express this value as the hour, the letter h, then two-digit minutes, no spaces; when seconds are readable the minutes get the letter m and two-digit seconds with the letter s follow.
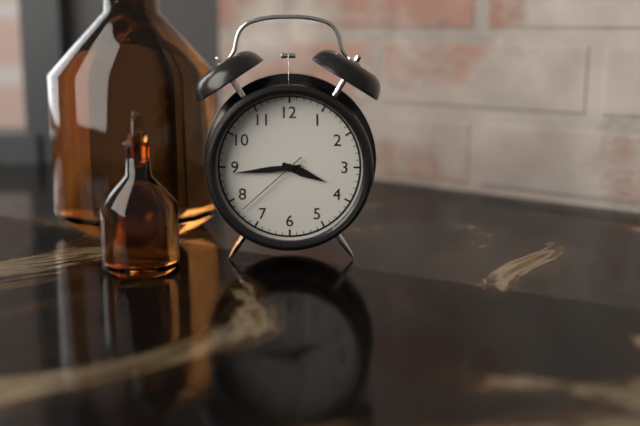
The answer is 3h44m38s
